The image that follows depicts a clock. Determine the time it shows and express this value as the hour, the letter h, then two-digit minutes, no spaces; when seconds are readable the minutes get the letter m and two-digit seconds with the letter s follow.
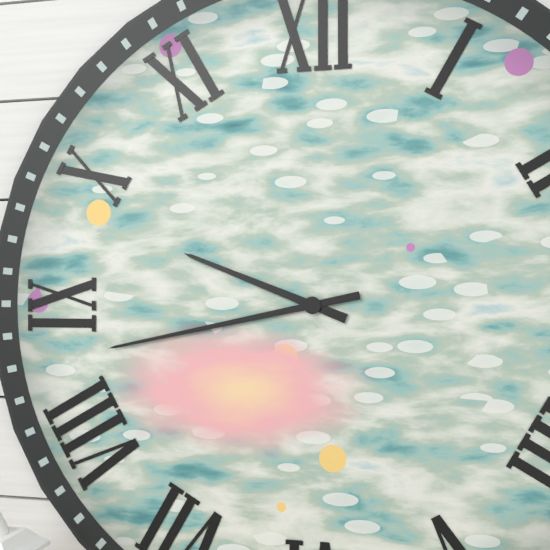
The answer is 9h43
